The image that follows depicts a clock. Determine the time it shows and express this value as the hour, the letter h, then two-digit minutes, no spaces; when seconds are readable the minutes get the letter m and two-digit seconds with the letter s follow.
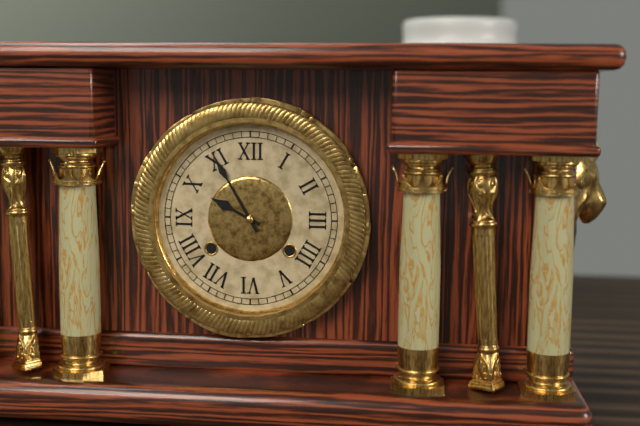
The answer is 9h55
